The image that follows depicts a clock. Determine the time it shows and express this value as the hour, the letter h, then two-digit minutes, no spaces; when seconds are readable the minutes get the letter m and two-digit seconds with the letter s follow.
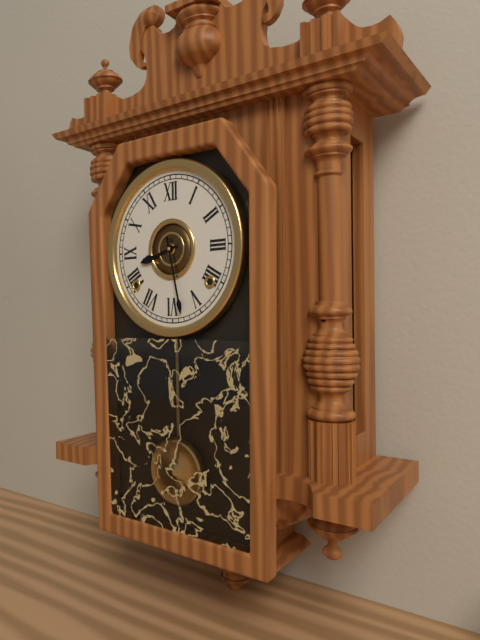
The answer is 8h28
